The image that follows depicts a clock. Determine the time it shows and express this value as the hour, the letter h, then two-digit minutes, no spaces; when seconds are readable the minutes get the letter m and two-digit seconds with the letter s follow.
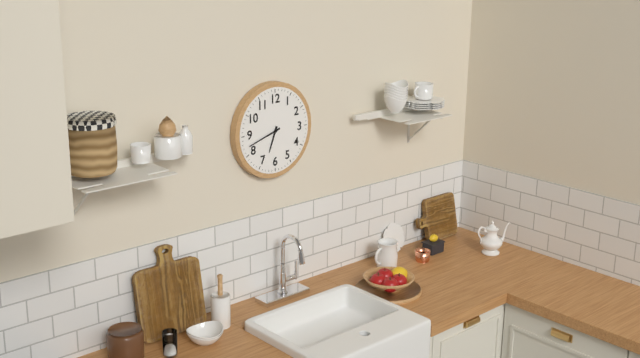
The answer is 6h42
